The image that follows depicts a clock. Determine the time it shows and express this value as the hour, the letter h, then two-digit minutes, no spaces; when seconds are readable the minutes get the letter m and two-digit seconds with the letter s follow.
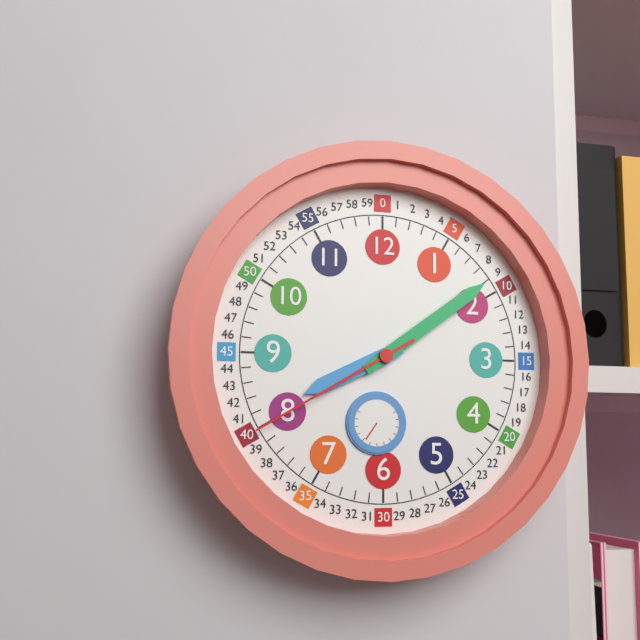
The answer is 8h09m40s
